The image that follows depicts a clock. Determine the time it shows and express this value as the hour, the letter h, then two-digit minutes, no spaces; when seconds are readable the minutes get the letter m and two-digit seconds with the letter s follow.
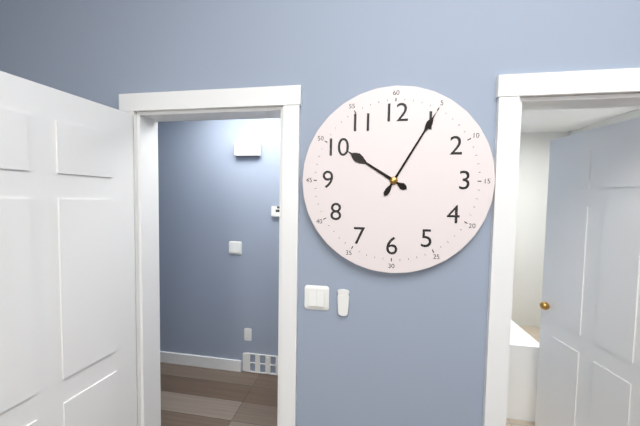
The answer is 10h05
